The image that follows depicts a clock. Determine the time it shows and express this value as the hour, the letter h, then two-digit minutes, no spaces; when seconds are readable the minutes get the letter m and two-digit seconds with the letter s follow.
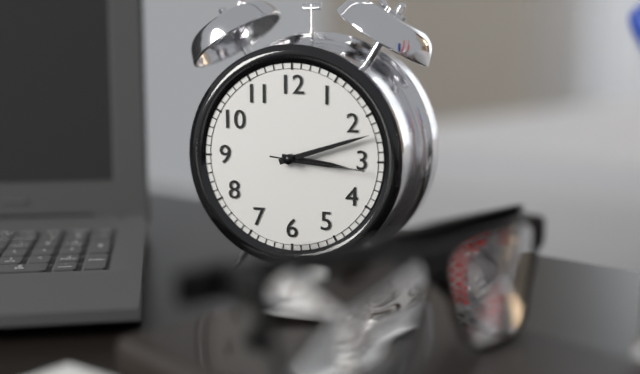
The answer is 3h12m16s
